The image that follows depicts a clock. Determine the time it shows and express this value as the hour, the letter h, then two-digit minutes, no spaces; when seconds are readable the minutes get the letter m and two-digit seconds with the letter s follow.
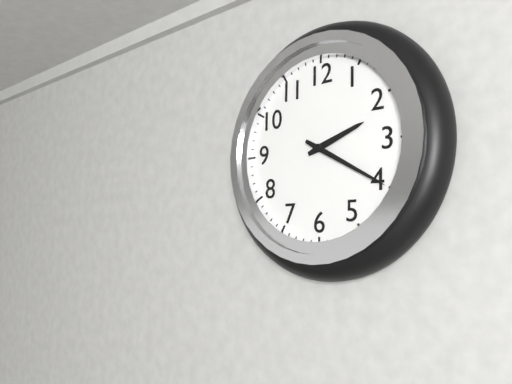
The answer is 2h20
